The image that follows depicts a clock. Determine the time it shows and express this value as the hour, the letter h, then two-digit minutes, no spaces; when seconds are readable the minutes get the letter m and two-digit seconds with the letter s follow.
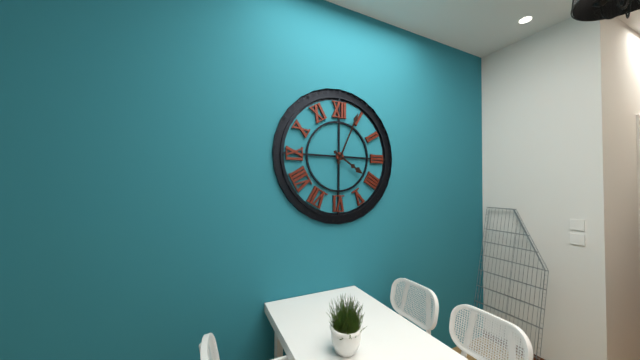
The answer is 4h04
